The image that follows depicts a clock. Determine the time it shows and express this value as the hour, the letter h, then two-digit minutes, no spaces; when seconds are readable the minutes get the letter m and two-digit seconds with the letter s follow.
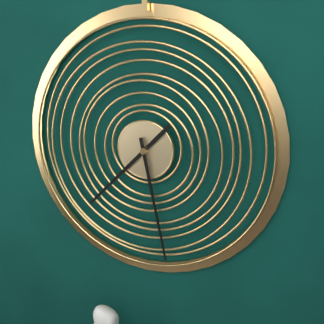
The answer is 7h28
